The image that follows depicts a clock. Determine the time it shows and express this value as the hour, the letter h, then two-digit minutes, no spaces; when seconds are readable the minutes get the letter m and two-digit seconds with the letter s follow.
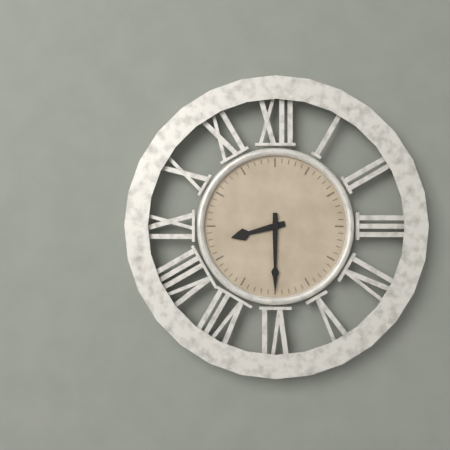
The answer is 8h30
